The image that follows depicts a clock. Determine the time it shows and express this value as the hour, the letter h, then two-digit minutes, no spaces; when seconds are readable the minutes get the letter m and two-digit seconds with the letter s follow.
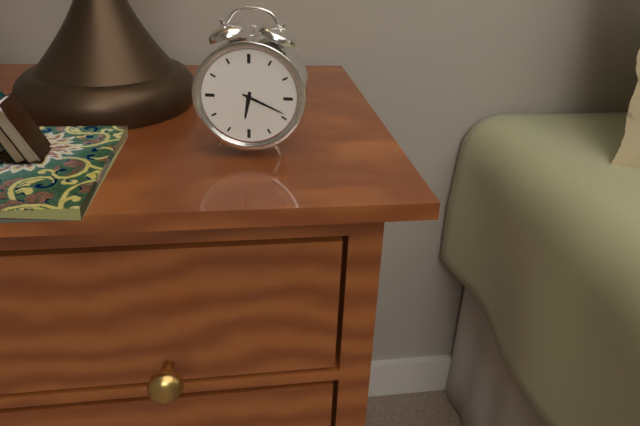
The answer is 6h19
